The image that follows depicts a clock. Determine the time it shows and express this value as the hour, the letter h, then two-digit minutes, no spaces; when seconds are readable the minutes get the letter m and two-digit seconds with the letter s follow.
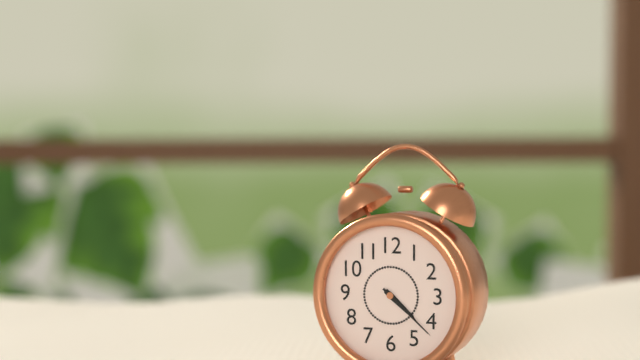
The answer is 4h22
